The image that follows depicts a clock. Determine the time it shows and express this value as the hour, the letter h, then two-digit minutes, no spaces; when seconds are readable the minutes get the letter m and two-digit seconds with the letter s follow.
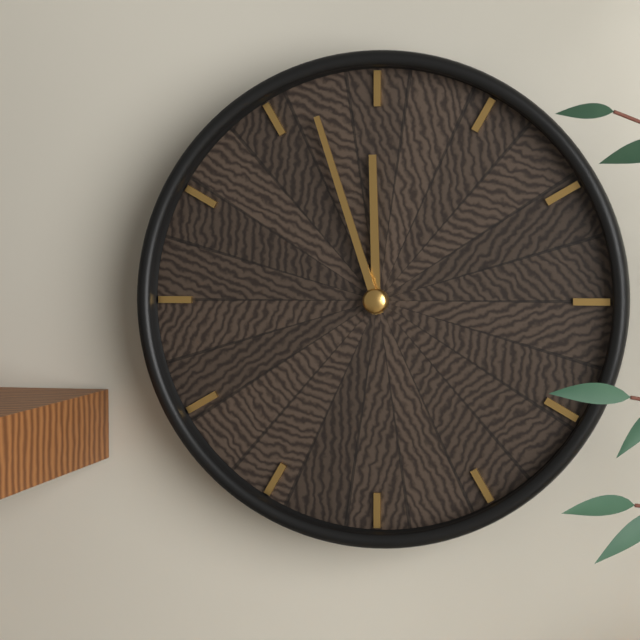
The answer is 11h57
